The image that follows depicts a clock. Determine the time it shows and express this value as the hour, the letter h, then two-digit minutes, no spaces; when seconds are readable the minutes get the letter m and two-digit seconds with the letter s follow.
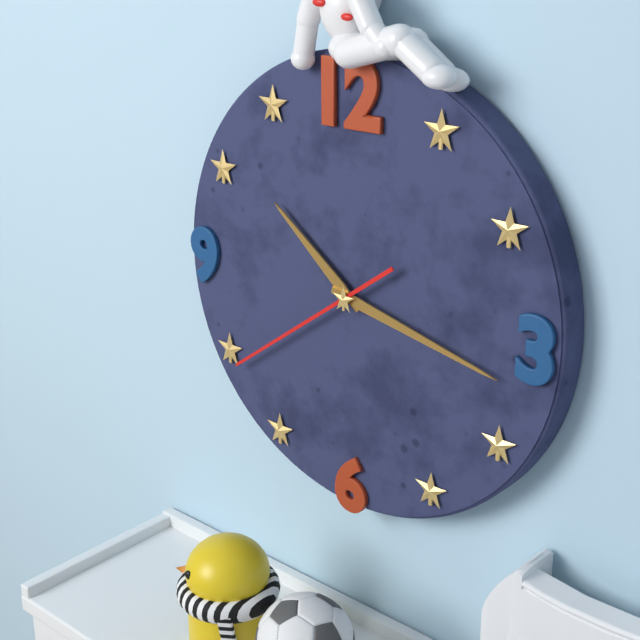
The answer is 10h17m39s
